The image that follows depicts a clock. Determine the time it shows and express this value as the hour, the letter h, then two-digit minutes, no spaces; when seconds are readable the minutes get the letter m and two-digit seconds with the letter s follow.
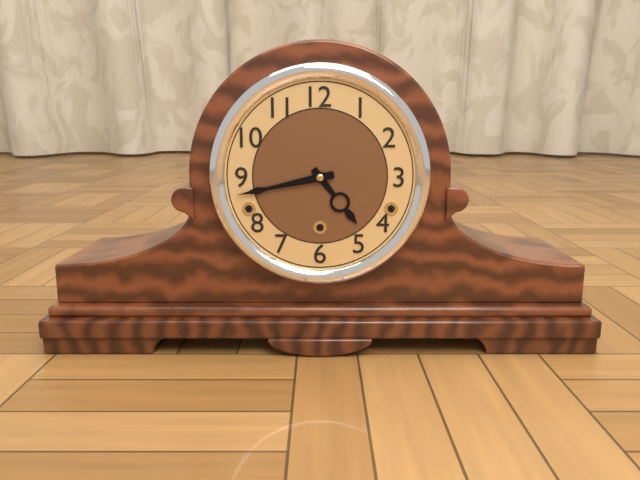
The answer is 4h43
